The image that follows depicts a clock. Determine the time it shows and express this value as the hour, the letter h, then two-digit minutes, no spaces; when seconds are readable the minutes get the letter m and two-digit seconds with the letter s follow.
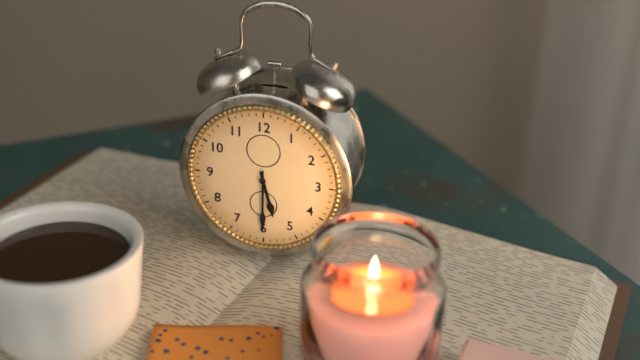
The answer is 5h30
